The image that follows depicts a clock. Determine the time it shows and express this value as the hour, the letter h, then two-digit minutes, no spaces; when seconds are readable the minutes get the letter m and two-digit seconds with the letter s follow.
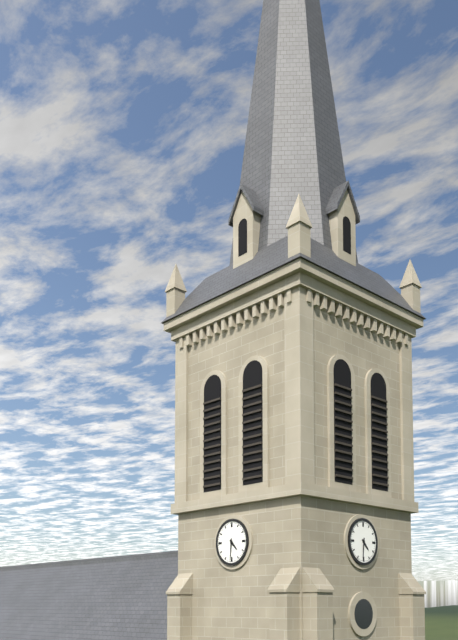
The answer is 4h31
